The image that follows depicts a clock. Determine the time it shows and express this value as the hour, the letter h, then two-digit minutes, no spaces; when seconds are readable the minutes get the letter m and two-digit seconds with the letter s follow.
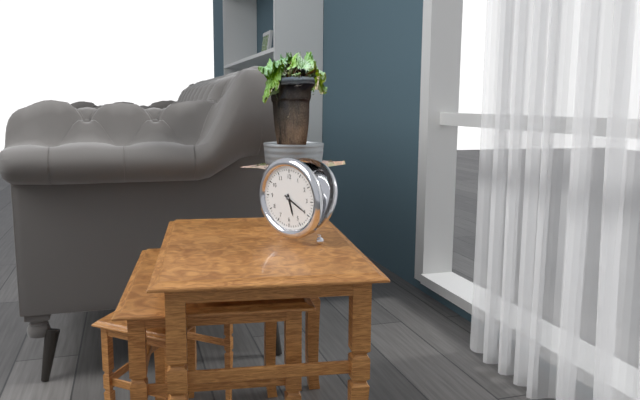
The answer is 5h19
